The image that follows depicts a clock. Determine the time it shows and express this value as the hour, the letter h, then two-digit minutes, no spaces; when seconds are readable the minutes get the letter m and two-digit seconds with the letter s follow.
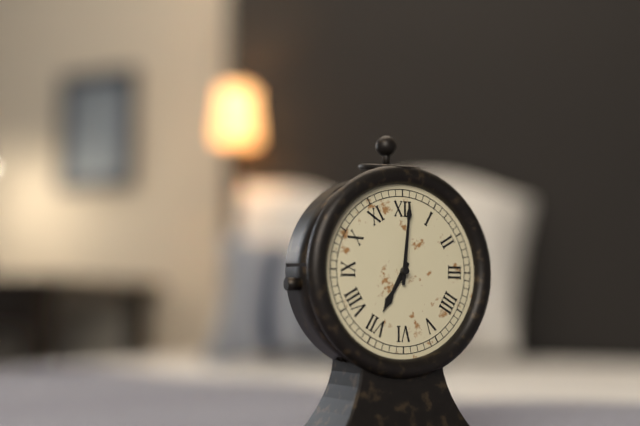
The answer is 7h01
